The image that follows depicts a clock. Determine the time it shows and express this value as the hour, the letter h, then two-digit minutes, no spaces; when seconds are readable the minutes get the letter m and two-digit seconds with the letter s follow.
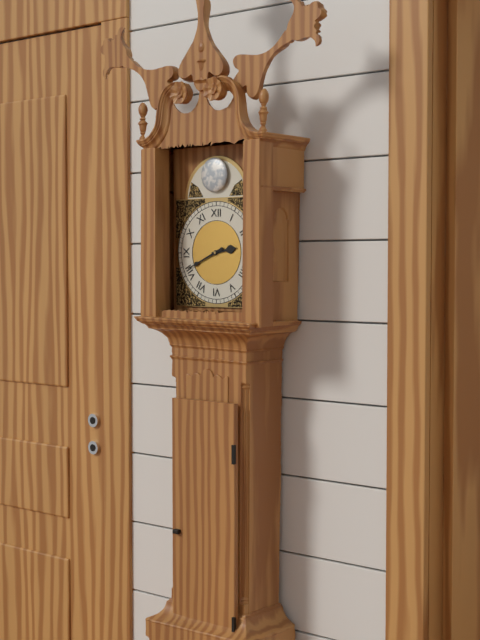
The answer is 2h41
